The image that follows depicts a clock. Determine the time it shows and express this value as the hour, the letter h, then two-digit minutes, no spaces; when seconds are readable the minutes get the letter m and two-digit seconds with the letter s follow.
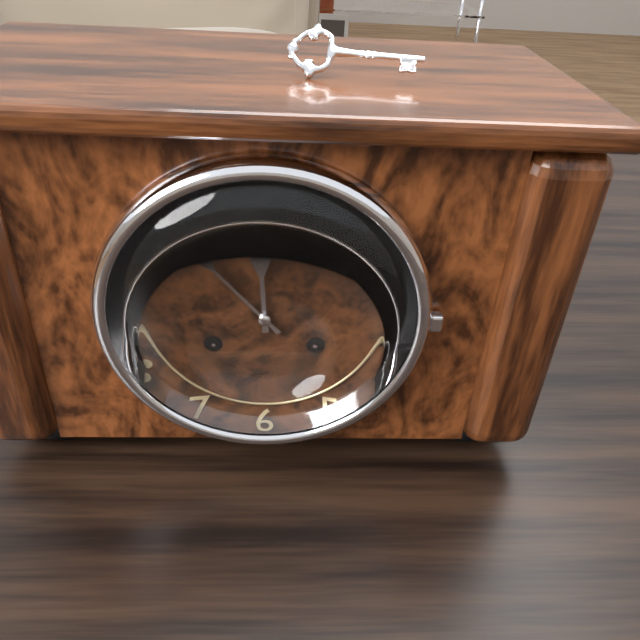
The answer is 11h53
